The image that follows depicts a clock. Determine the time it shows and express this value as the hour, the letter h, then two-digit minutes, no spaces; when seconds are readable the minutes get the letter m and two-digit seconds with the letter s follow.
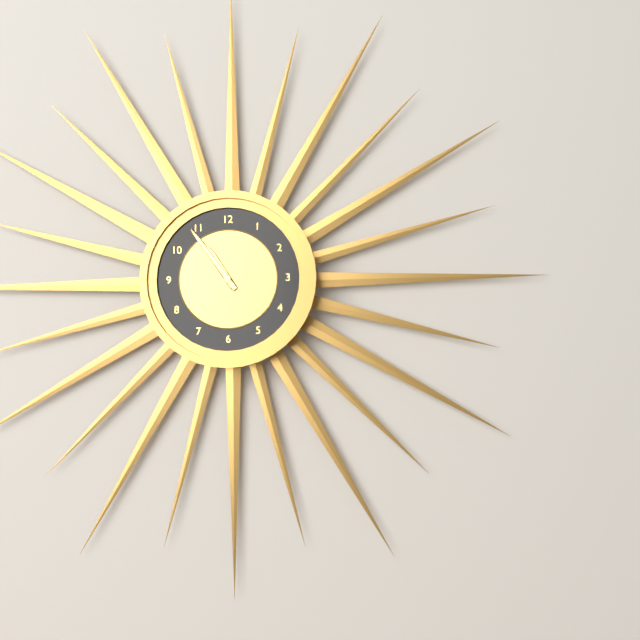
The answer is 10h54
